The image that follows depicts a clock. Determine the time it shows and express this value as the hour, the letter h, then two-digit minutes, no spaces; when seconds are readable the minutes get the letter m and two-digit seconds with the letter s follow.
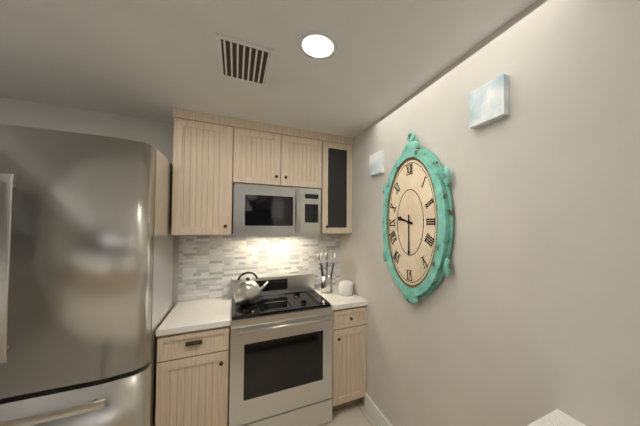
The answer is 9h30
